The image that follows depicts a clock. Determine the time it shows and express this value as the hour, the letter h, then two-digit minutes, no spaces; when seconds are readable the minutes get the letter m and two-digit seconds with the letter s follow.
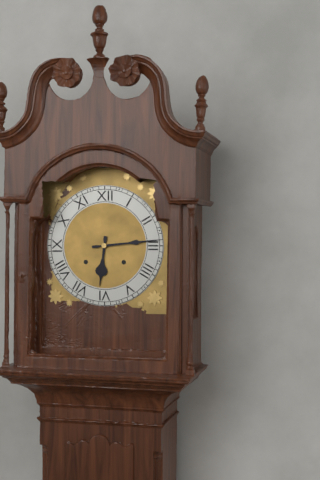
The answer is 6h14
